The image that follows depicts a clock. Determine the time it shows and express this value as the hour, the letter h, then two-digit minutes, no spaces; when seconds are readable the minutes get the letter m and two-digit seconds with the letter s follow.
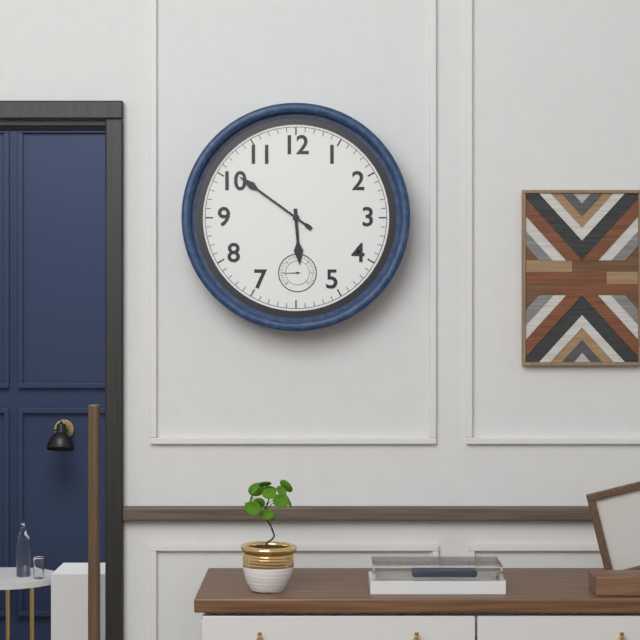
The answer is 5h51
